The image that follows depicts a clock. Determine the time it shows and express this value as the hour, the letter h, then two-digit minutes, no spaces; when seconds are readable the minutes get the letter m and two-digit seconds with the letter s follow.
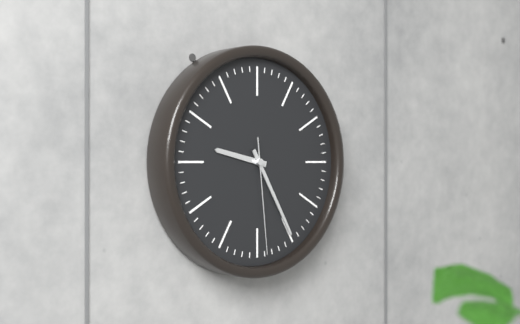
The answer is 9h25m29s
